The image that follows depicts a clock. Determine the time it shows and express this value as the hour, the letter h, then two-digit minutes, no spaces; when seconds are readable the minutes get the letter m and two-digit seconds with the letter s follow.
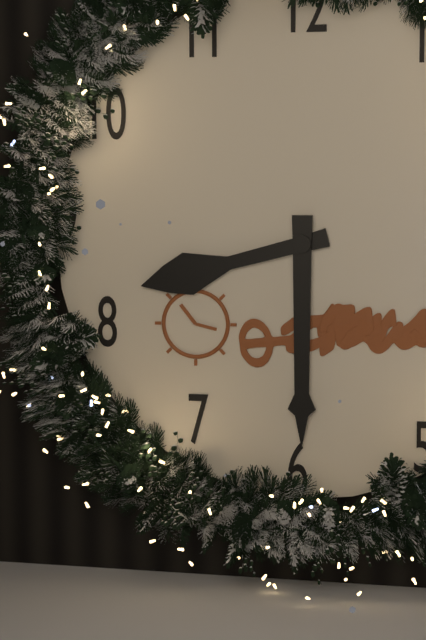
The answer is 8h30
